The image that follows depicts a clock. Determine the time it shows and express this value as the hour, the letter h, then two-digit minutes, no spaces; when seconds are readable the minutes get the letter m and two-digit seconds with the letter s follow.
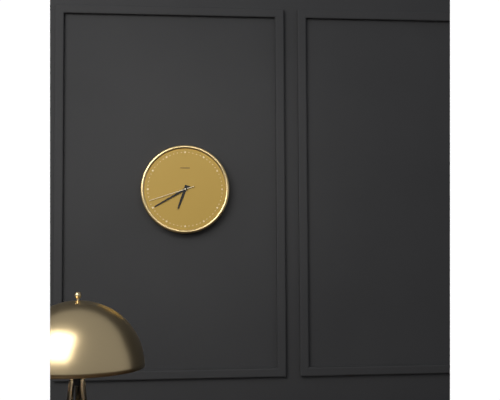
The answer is 6h40
